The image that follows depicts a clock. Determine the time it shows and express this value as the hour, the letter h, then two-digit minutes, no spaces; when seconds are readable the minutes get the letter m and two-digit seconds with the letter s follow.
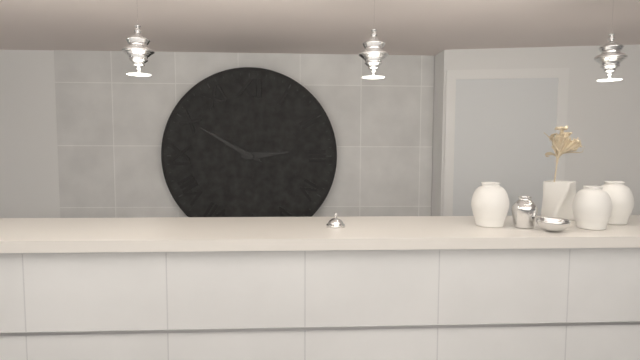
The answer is 2h50
